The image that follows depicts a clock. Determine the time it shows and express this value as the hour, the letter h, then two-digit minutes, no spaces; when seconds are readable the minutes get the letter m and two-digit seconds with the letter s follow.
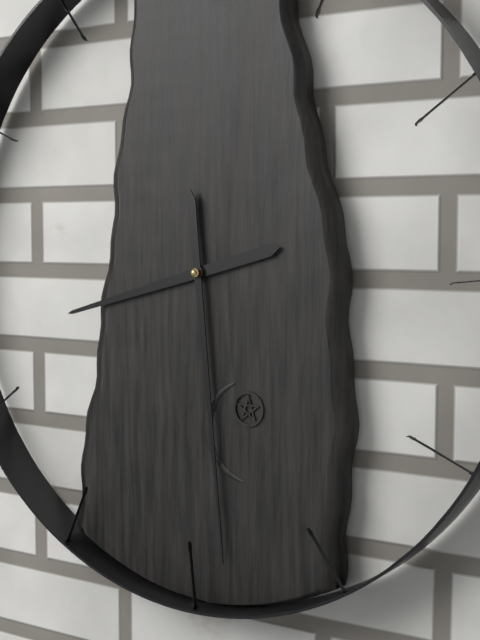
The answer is 8h29
